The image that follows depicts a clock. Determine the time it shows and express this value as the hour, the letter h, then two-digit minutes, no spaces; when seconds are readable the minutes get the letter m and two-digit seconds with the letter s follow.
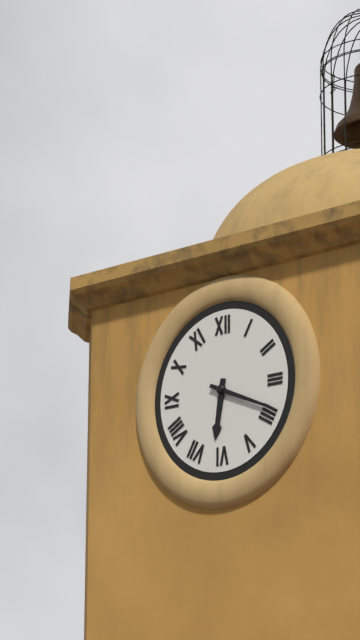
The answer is 6h19
